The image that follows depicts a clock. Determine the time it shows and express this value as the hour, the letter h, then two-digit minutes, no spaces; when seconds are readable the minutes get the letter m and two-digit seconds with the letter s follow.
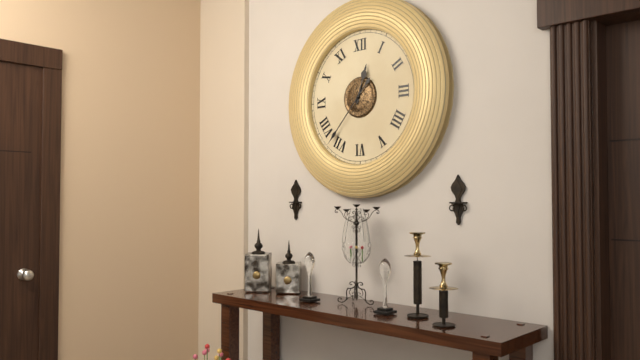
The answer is 12h37
